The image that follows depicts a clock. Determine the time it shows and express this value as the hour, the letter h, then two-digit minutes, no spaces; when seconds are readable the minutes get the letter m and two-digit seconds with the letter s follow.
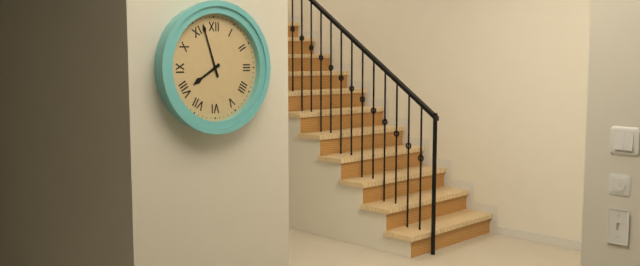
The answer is 7h57
